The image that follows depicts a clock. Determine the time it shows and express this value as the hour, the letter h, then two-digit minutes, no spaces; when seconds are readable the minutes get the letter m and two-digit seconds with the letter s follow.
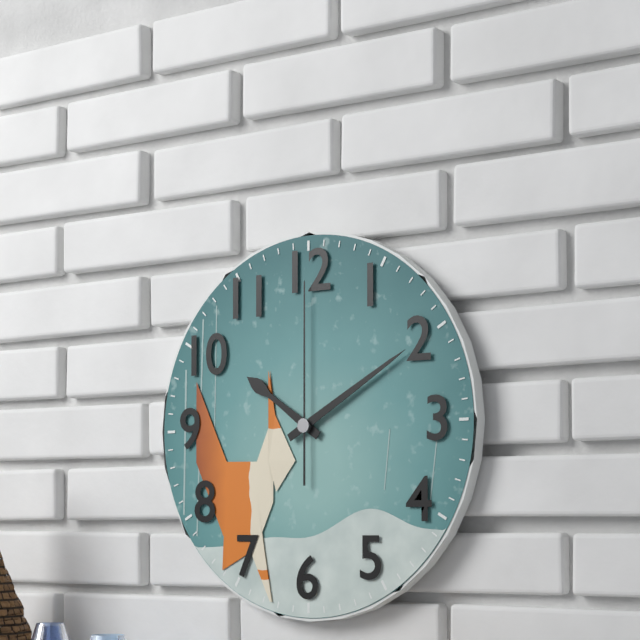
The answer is 10h10m00s
